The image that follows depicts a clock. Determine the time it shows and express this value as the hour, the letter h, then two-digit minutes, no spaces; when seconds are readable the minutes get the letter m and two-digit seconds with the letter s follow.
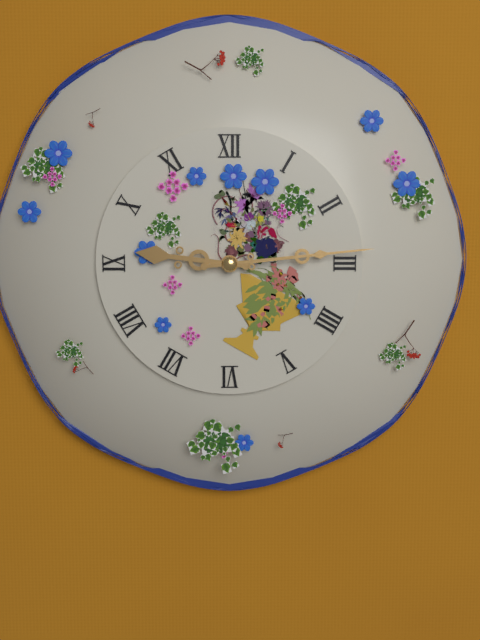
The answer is 9h14
